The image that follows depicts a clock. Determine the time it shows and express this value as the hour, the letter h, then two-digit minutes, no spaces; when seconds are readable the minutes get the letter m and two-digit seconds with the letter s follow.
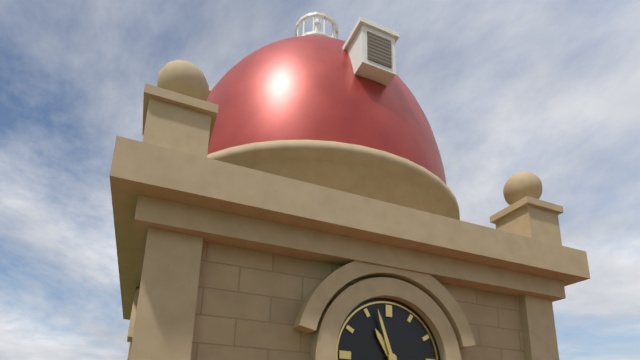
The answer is 10h57
